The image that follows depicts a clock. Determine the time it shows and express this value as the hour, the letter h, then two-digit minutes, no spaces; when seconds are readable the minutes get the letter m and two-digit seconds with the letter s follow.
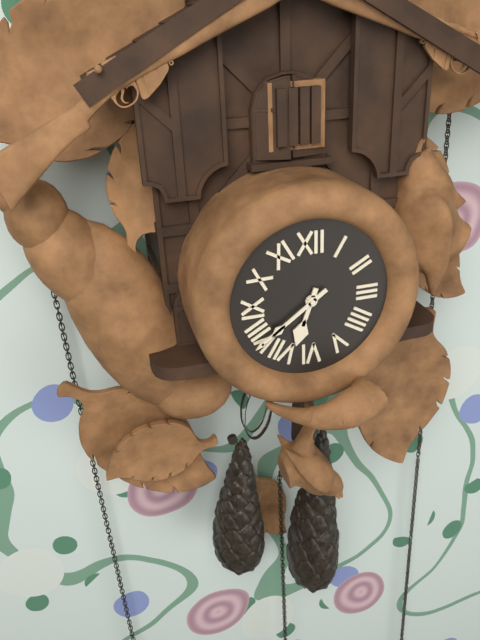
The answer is 6h39
